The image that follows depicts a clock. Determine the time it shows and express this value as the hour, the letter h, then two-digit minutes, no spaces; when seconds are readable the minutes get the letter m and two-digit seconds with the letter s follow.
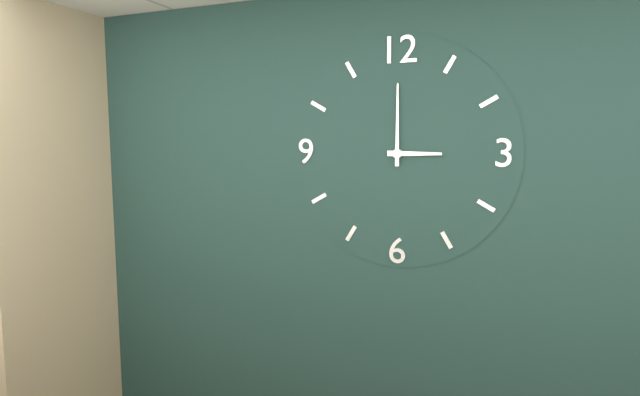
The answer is 3h00
